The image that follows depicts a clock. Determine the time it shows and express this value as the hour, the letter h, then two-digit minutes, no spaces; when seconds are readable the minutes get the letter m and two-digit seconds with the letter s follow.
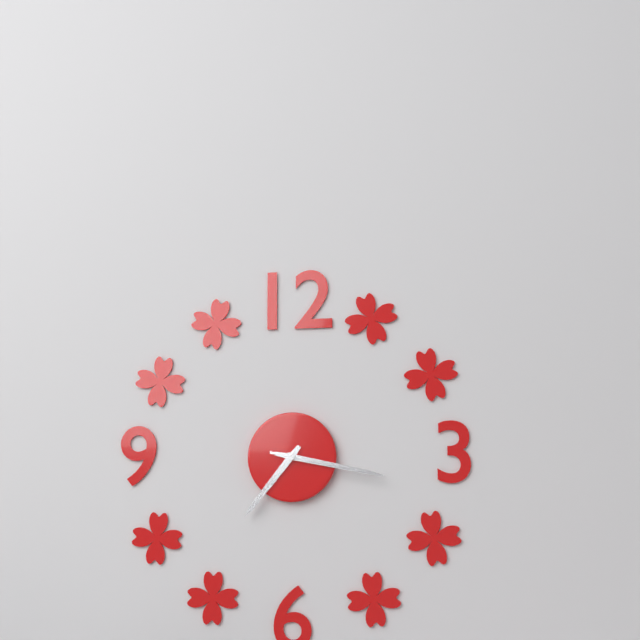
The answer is 7h17m17s
